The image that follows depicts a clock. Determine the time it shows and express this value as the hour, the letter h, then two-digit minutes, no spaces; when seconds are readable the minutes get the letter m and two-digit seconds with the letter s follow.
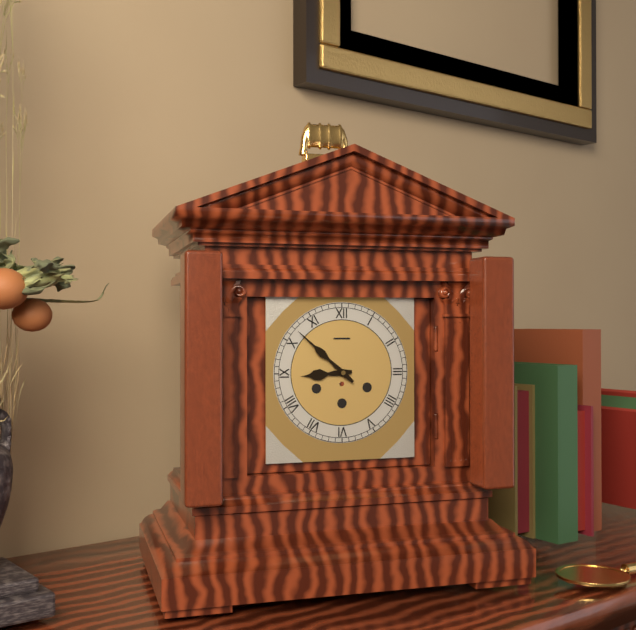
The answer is 8h52
